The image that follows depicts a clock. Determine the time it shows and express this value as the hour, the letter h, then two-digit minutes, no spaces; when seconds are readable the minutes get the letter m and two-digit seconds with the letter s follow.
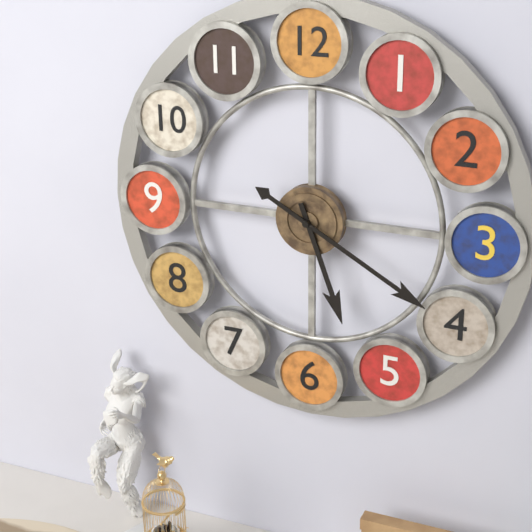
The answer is 5h20
